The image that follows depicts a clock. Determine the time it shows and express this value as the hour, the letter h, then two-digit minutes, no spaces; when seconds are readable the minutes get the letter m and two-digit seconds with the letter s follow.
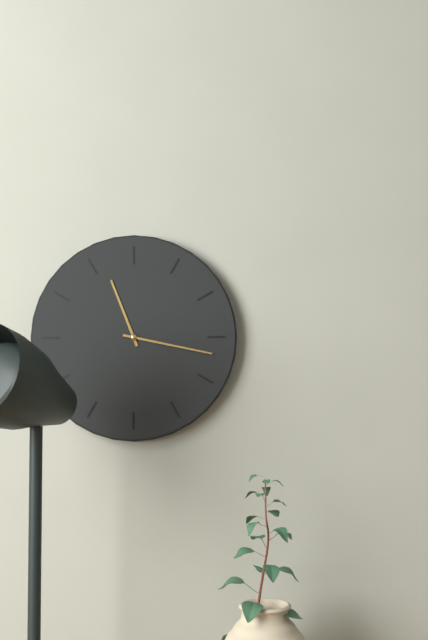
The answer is 11h17
